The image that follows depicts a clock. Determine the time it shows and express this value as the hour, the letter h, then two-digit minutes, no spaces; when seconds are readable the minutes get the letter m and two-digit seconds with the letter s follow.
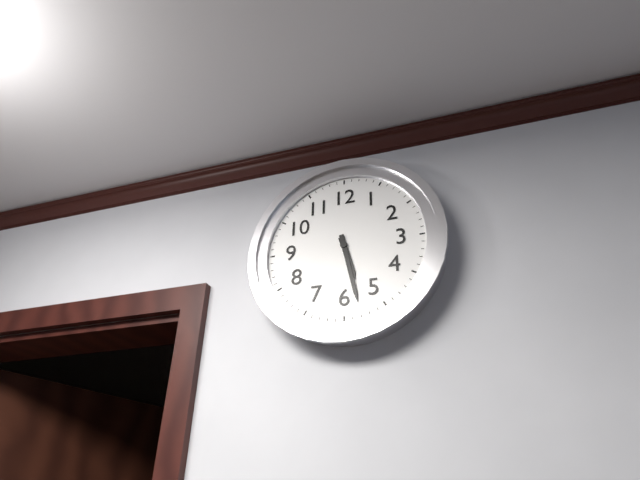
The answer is 5h28
